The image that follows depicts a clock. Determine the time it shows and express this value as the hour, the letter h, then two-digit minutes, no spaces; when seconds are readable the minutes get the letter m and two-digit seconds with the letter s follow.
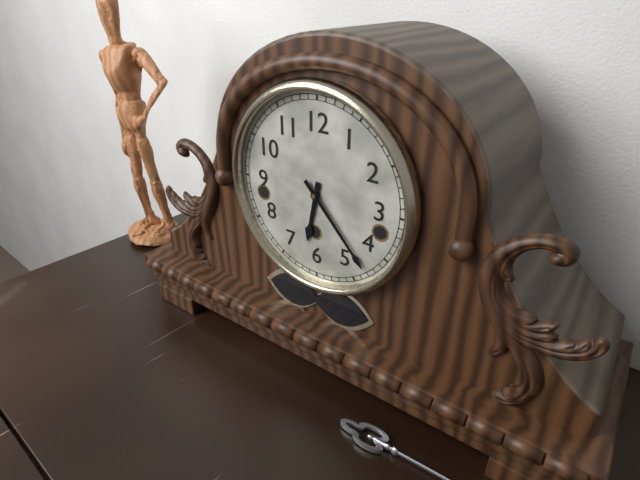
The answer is 6h23
